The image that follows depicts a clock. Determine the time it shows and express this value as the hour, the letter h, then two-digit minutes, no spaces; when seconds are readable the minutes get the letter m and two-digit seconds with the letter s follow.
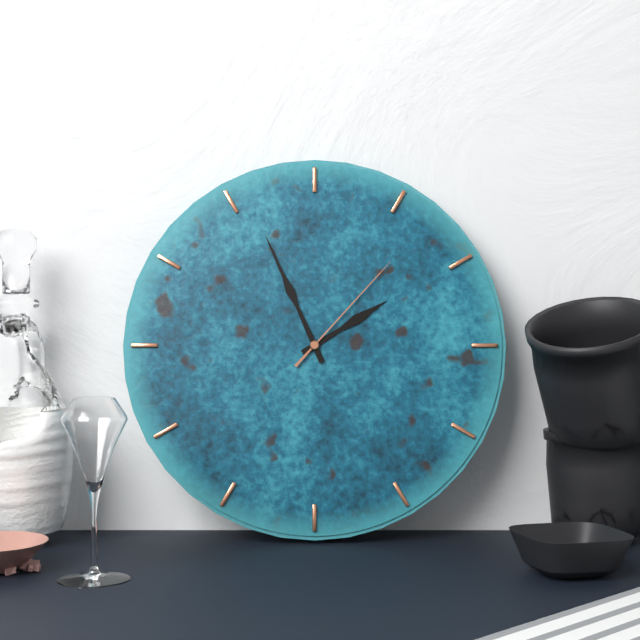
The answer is 1h56m07s
